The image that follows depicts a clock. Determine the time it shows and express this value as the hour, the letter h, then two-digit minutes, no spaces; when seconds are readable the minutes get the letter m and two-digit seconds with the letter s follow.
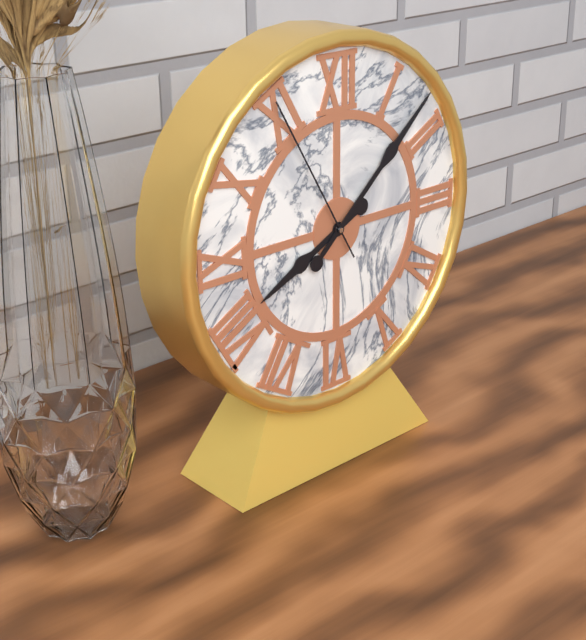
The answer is 8h08m55s
